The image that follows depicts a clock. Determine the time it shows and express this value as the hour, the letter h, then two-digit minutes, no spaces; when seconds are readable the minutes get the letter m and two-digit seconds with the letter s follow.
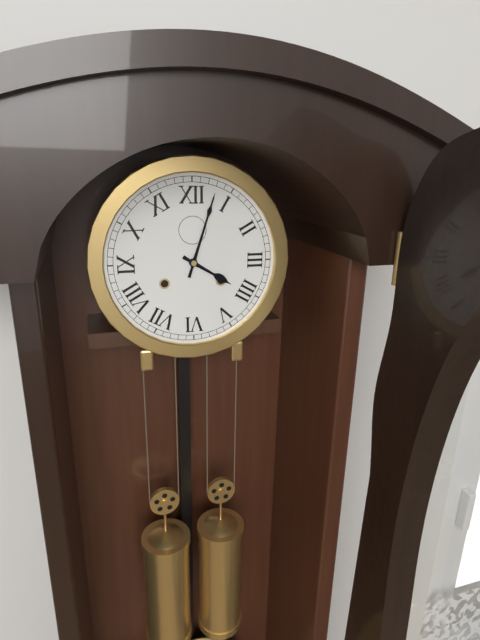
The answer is 4h03
